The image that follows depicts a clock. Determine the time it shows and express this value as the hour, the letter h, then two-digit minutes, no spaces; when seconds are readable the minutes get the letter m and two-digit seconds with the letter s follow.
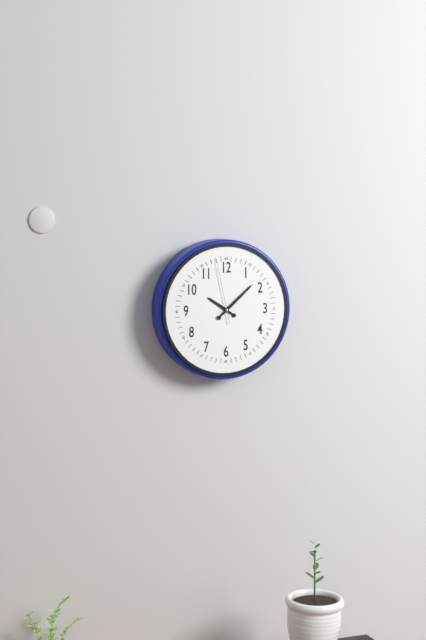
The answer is 10h08m58s
